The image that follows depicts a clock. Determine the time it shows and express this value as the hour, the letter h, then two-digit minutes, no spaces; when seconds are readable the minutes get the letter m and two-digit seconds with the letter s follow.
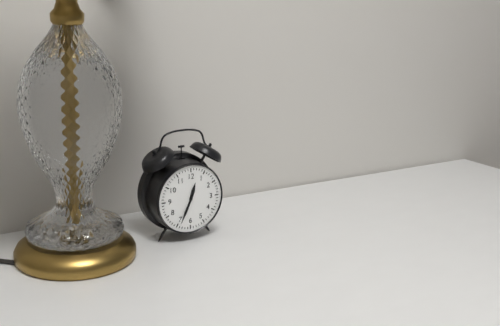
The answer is 12h34
